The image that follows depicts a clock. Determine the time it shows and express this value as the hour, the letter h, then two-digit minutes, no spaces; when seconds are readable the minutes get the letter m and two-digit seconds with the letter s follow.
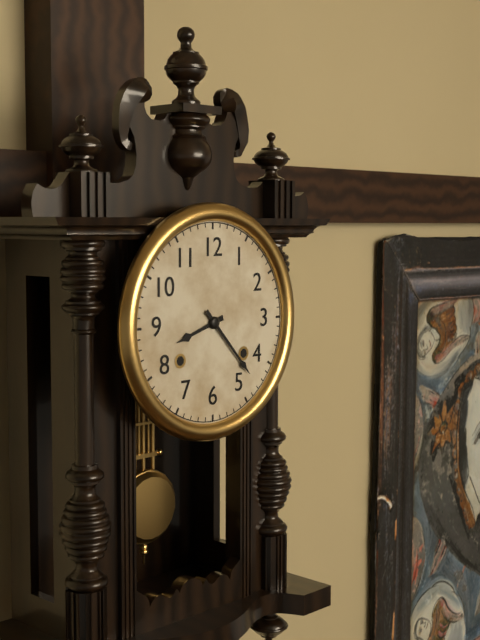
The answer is 8h23
